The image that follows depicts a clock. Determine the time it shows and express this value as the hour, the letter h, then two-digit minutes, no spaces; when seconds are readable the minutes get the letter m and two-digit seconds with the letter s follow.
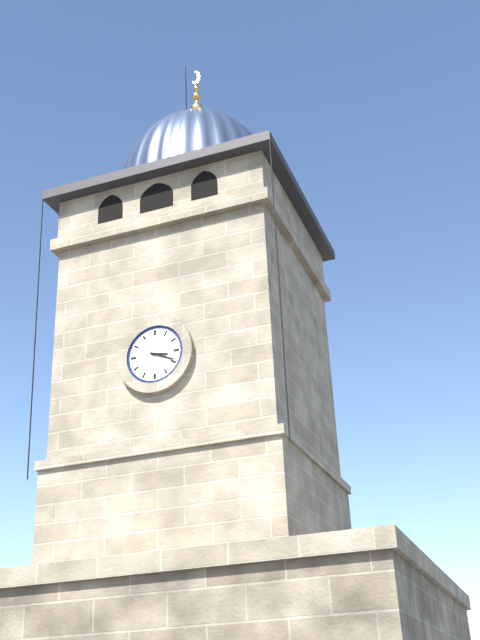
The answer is 3h19
